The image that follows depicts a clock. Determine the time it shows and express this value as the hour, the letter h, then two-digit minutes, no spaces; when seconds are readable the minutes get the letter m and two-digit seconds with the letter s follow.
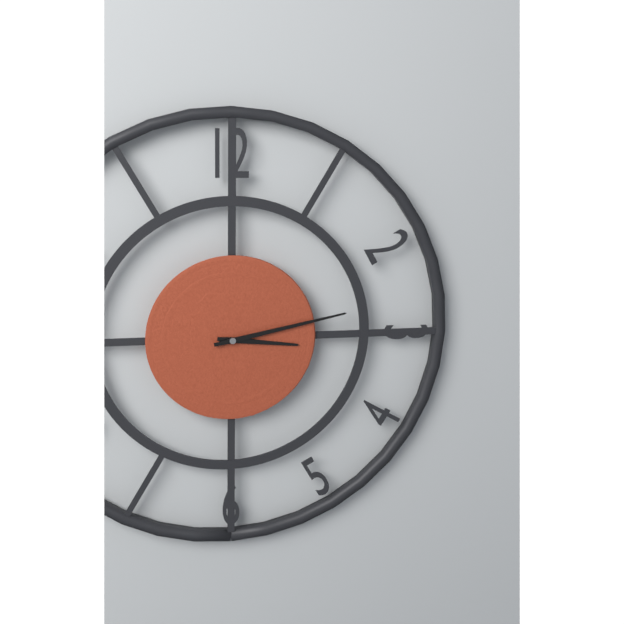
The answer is 3h13
